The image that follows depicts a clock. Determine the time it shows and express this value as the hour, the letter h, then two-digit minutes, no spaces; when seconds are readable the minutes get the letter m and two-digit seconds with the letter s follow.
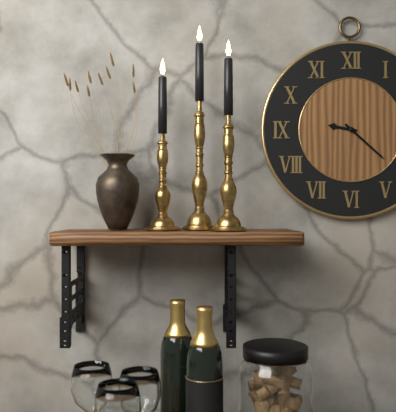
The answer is 9h22
